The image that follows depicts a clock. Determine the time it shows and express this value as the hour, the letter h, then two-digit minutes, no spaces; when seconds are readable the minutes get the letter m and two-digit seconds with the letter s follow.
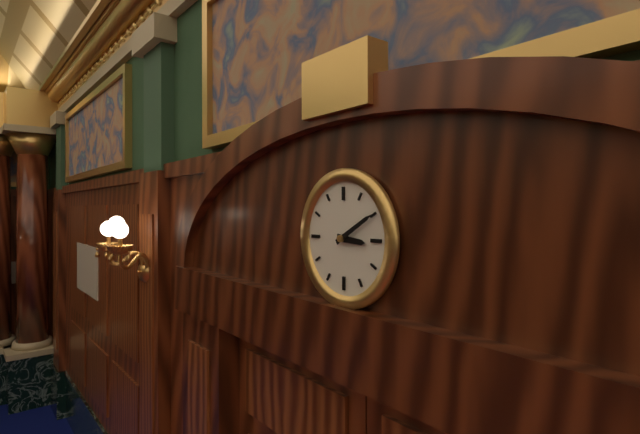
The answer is 3h10
